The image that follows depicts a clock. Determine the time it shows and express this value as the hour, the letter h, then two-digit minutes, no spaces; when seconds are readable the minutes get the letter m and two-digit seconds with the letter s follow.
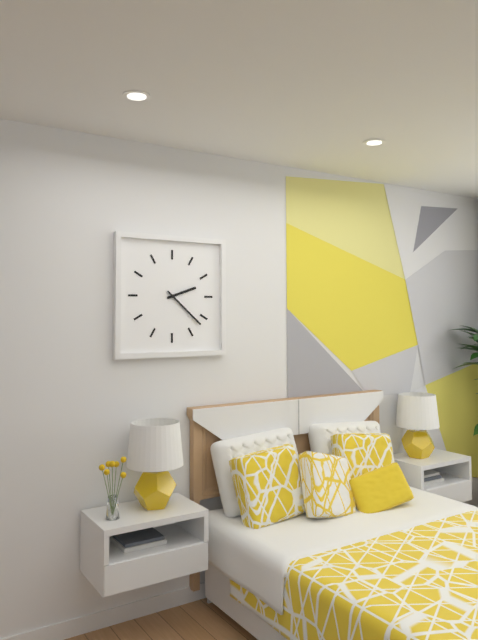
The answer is 2h22
